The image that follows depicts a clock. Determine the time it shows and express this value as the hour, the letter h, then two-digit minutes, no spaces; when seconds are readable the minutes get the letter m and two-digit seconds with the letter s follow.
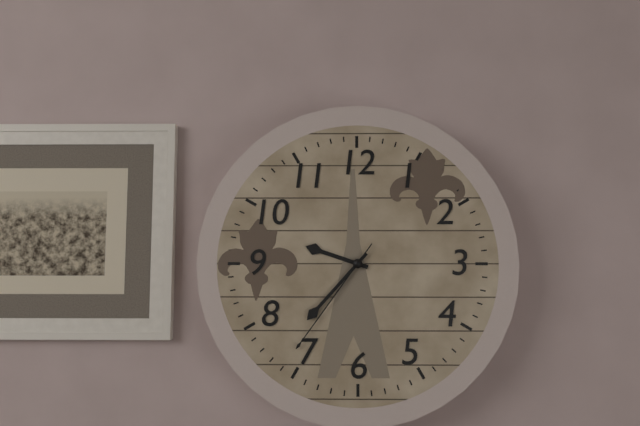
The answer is 9h37m36s
